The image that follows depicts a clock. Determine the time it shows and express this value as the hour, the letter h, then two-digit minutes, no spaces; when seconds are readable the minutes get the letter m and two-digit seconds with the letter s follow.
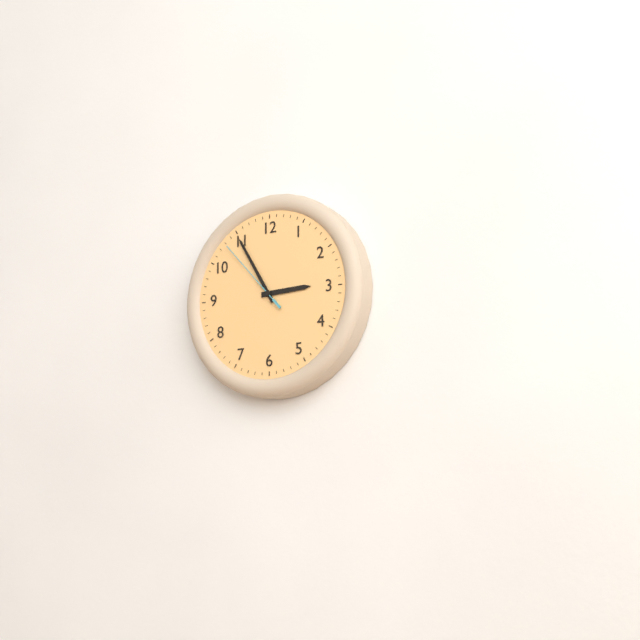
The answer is 2h55m53s
